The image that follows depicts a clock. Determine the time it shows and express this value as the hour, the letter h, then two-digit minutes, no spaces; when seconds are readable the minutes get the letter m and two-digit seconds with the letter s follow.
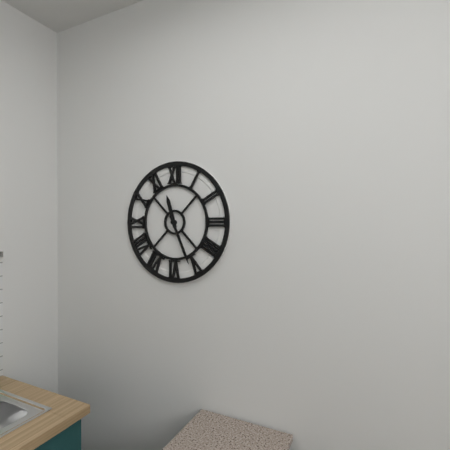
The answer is 11h26
